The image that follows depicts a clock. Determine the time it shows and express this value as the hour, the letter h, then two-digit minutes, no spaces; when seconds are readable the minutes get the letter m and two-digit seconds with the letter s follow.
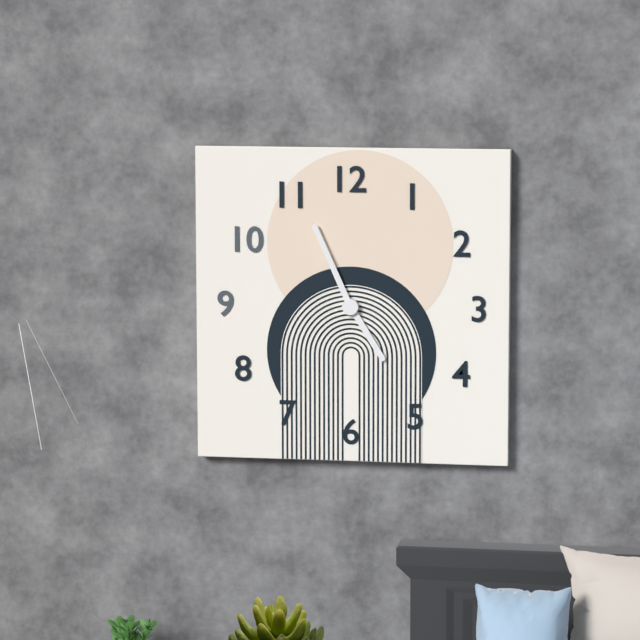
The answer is 4h56
